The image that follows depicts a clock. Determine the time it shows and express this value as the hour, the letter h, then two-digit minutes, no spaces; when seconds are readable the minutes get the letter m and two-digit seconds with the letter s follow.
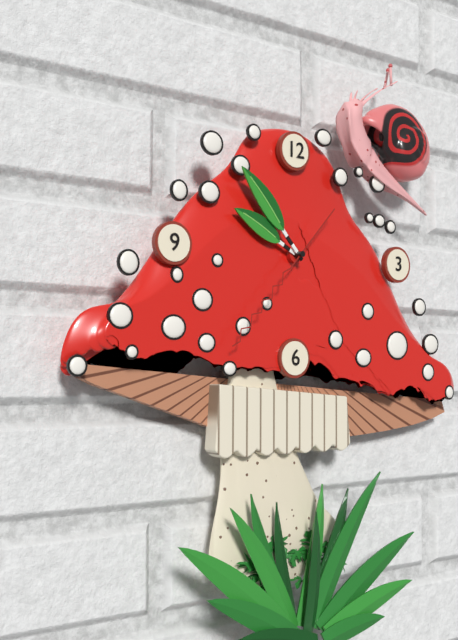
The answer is 9h53m37s
